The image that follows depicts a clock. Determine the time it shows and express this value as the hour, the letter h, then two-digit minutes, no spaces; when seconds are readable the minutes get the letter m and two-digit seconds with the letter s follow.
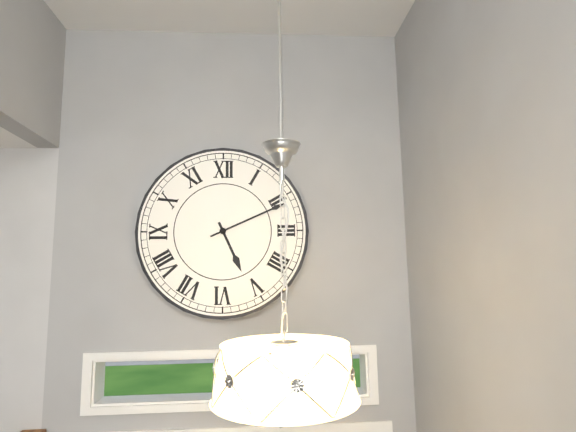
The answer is 5h11
